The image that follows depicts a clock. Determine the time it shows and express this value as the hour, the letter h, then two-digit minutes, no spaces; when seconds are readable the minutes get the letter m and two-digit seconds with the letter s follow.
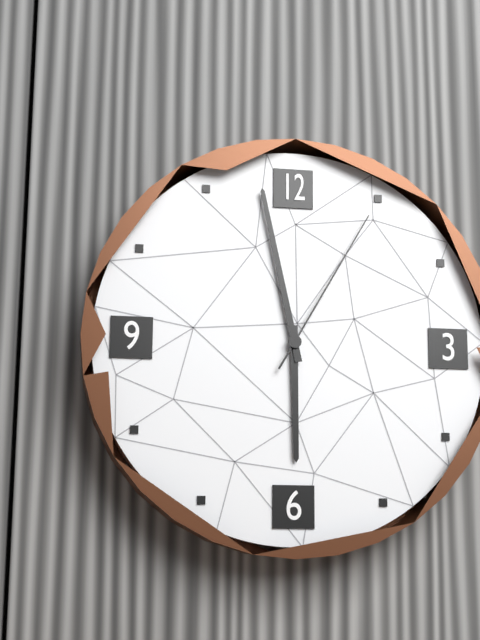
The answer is 5h58m05s
